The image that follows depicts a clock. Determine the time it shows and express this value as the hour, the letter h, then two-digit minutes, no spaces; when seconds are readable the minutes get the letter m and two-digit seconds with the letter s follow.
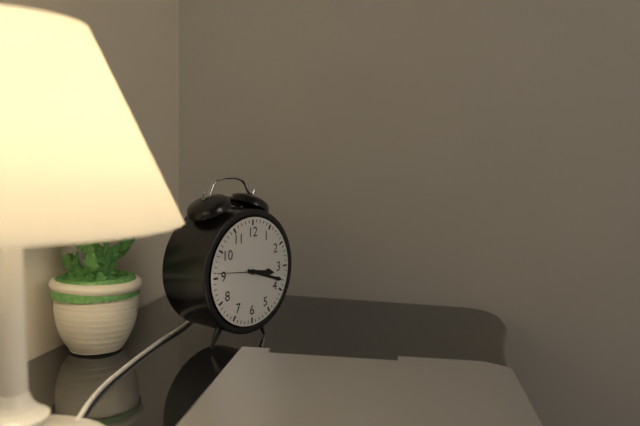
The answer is 3h18
